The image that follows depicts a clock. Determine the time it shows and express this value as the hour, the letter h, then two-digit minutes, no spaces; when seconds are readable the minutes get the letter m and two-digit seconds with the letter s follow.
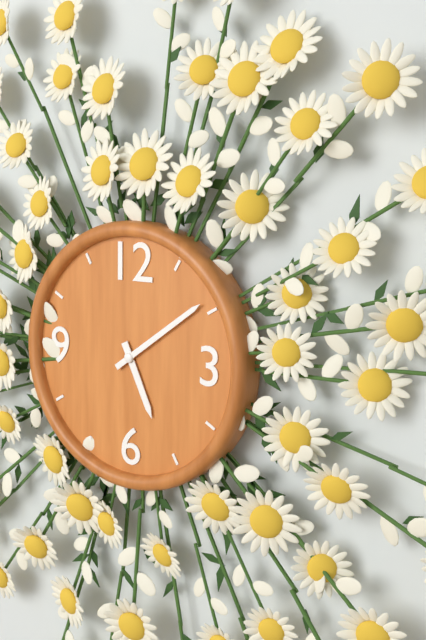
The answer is 5h09
